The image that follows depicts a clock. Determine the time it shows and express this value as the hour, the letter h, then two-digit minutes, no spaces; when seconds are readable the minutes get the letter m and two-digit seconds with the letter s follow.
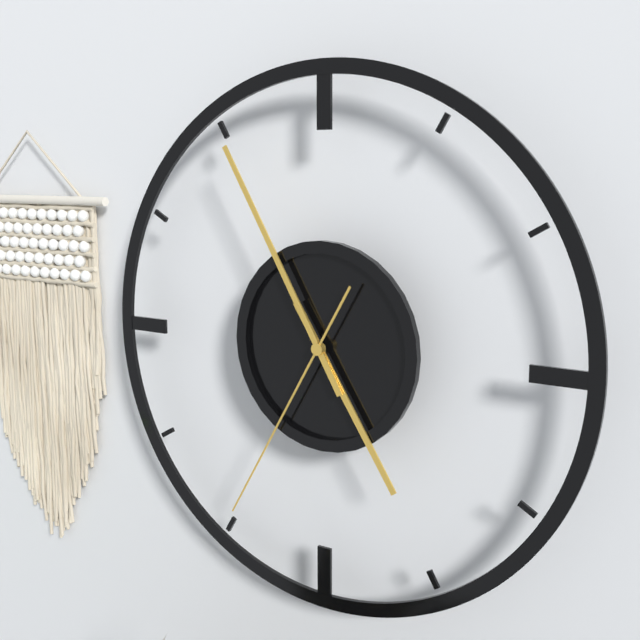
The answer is 4h55m35s
